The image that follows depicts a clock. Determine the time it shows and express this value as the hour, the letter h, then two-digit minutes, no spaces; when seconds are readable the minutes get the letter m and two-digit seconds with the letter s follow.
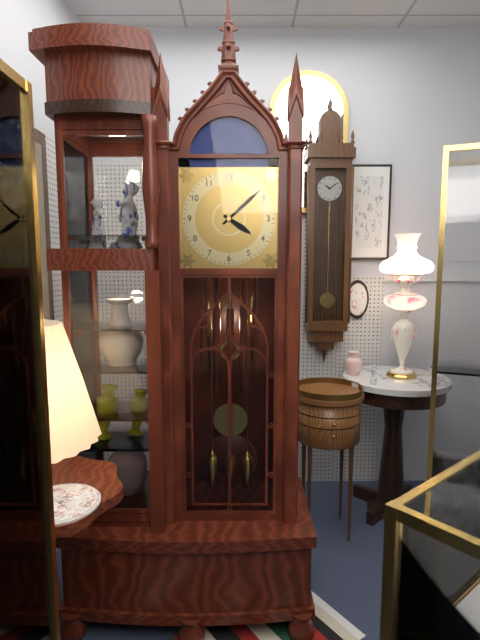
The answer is 4h08
